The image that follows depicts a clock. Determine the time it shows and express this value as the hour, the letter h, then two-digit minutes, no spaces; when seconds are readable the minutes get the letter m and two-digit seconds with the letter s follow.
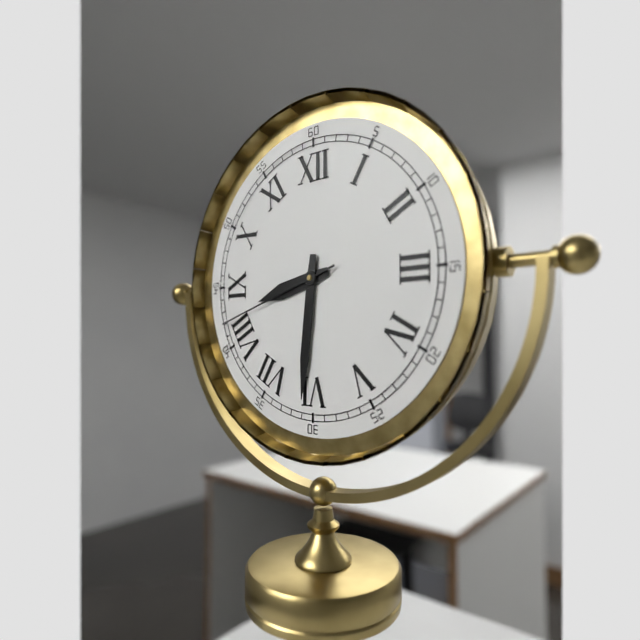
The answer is 8h31m42s
